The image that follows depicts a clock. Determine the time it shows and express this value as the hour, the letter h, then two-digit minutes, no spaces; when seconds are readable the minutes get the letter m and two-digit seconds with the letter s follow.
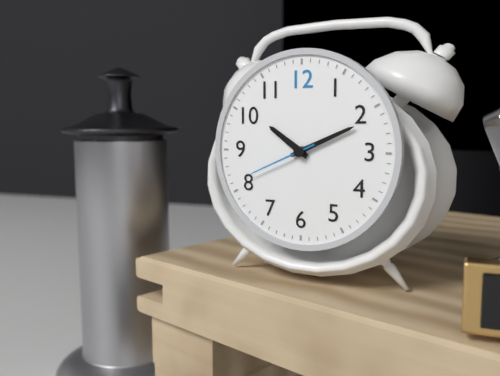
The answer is 10h11m41s
